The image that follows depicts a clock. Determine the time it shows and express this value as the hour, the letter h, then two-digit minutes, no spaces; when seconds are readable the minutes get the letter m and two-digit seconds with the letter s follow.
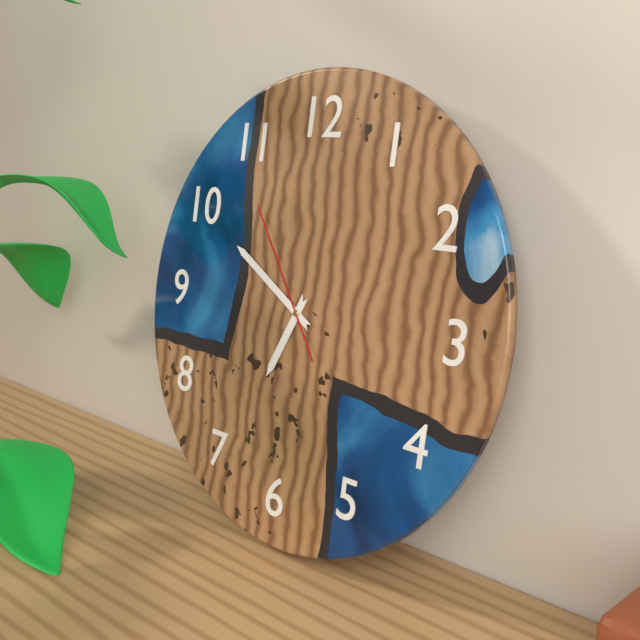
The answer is 6h50m54s
